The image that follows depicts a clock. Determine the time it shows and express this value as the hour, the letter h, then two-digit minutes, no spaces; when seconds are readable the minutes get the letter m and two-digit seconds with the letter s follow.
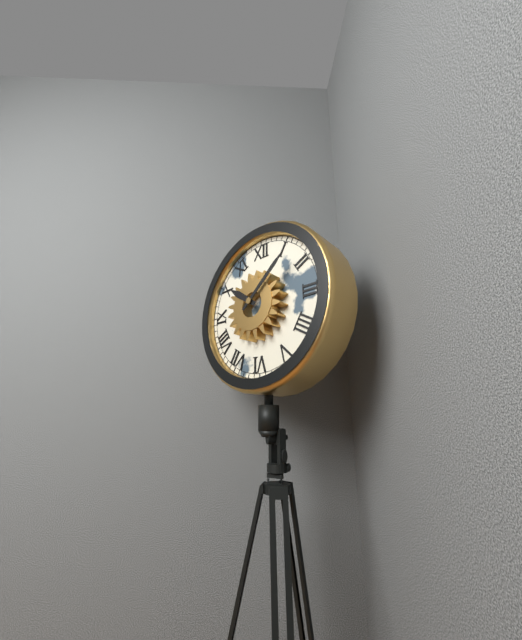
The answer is 10h08
